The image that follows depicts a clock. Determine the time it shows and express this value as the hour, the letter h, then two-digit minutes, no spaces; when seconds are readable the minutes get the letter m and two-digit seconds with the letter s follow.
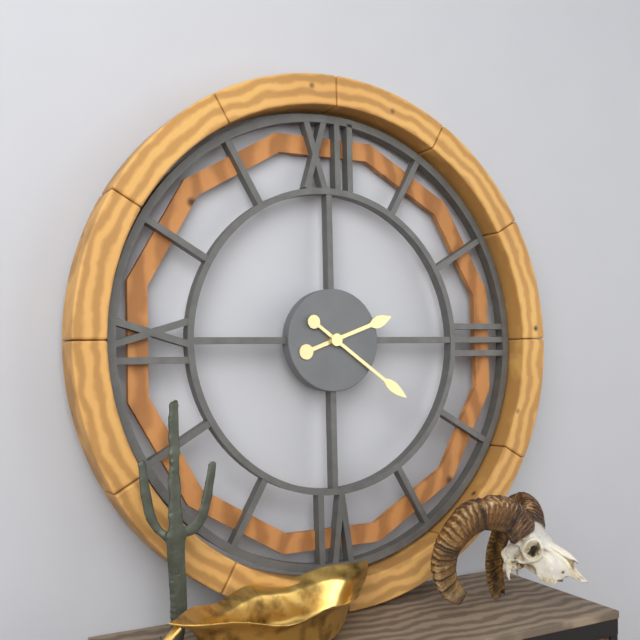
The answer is 2h21
